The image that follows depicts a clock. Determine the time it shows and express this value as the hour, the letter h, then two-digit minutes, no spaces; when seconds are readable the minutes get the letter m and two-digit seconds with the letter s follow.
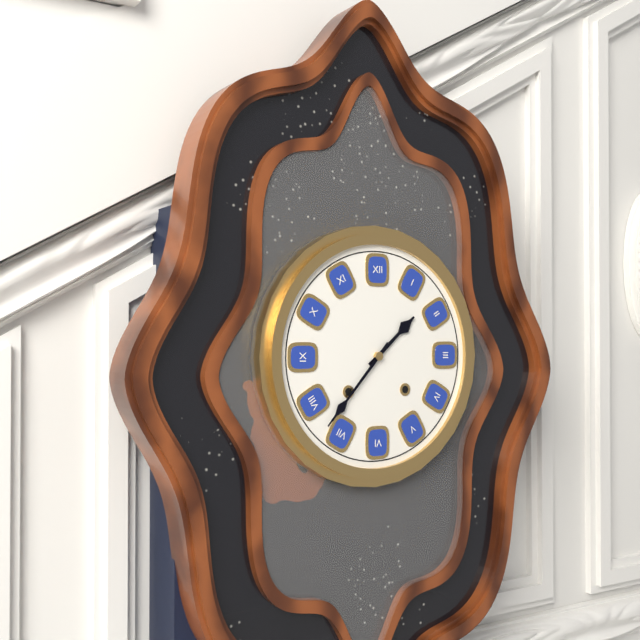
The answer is 1h37
